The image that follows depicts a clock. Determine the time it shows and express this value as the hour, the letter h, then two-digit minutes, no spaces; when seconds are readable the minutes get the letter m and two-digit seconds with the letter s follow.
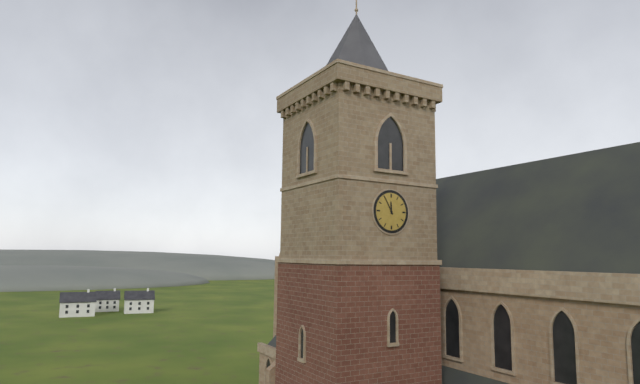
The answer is 11h55
